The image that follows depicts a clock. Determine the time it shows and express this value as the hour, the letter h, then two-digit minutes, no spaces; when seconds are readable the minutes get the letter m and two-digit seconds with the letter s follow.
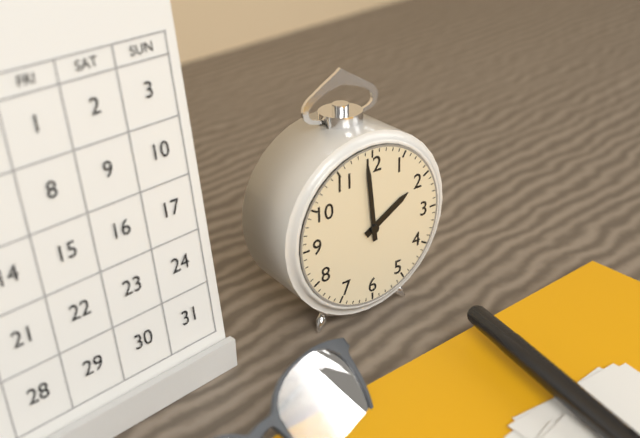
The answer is 1h59
